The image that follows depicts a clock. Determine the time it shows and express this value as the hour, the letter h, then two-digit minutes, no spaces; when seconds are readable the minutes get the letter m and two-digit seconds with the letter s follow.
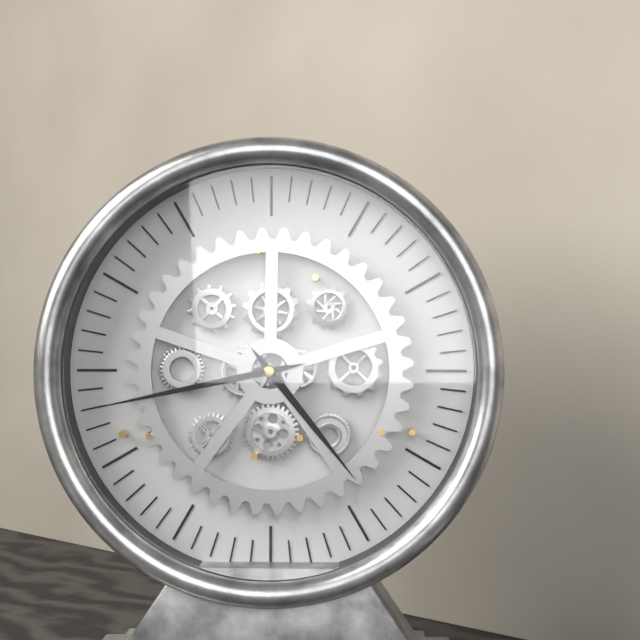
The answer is 4h43
